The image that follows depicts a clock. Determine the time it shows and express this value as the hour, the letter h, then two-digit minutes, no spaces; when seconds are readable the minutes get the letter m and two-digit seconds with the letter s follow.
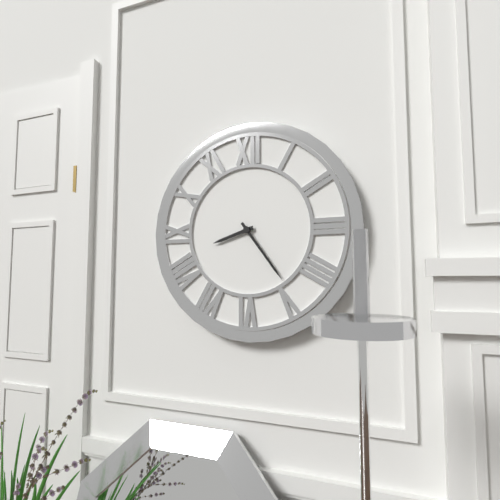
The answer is 8h24
